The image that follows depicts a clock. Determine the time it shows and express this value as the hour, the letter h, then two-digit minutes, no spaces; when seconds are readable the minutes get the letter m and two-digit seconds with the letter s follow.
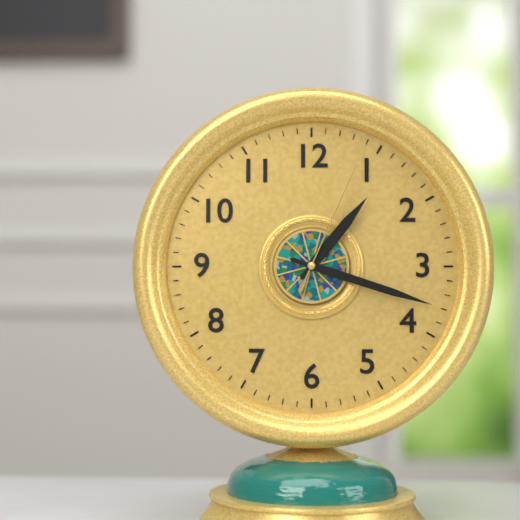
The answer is 1h18m04s
